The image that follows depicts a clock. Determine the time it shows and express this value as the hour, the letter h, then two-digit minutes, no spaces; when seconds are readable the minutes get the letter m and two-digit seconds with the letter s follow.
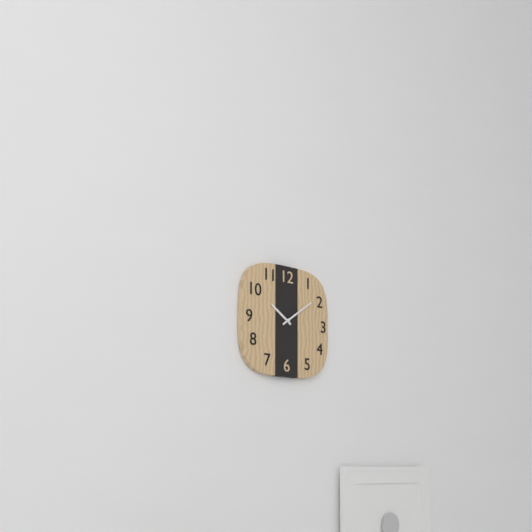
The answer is 10h09
